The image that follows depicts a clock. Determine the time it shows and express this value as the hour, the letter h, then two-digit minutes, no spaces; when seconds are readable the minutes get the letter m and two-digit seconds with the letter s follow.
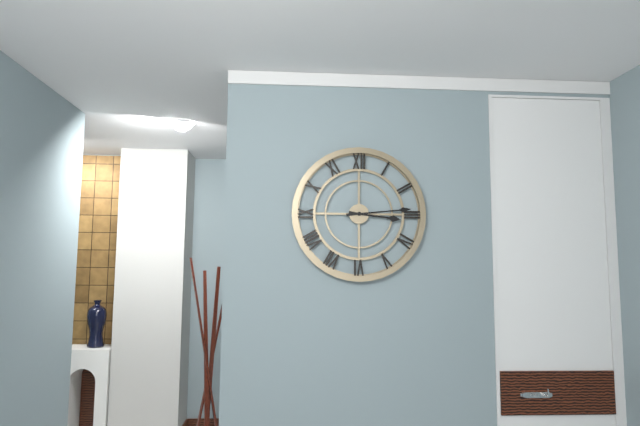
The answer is 3h14
